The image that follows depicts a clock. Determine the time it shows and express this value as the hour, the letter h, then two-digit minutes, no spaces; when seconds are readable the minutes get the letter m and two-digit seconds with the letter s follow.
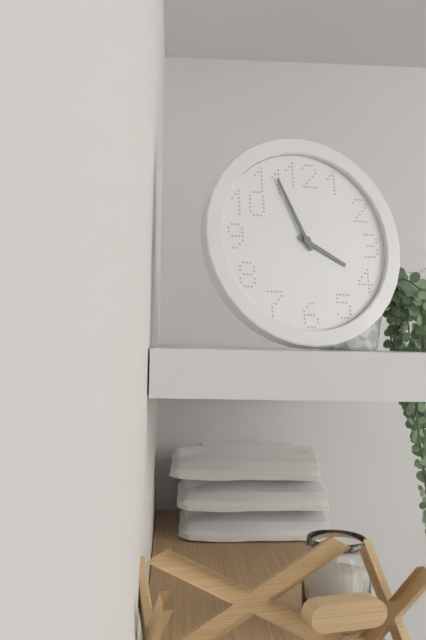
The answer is 3h56
